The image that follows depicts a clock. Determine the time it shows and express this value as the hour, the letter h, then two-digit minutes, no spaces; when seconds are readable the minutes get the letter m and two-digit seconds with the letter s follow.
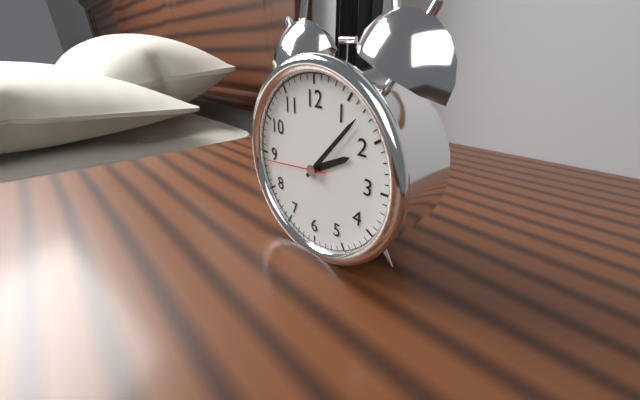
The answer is 2h07m44s
